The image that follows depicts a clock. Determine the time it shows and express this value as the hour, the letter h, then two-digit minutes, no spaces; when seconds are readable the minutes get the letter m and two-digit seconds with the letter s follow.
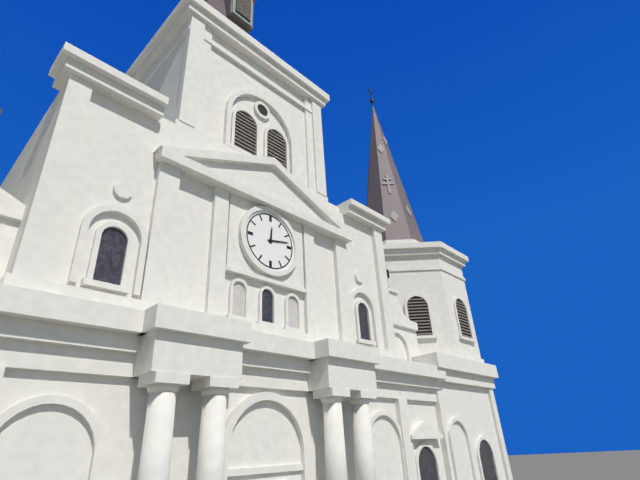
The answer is 12h13
